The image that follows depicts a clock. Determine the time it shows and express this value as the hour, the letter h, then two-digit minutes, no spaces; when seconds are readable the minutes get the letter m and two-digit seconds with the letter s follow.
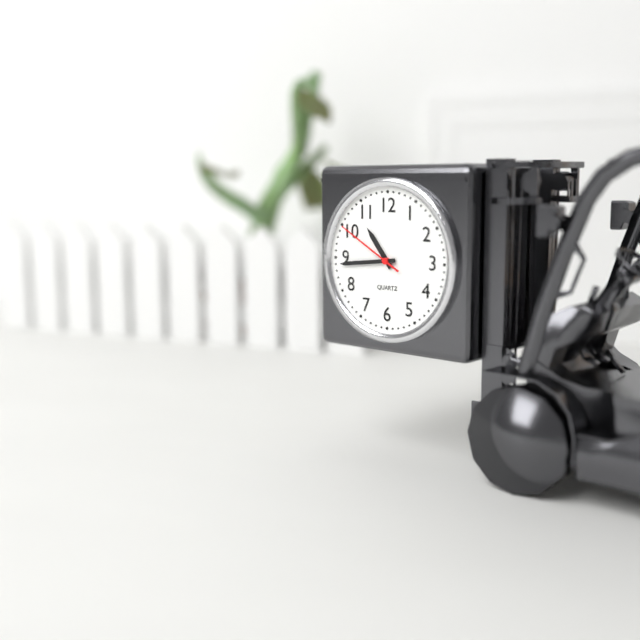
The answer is 10h44m50s
